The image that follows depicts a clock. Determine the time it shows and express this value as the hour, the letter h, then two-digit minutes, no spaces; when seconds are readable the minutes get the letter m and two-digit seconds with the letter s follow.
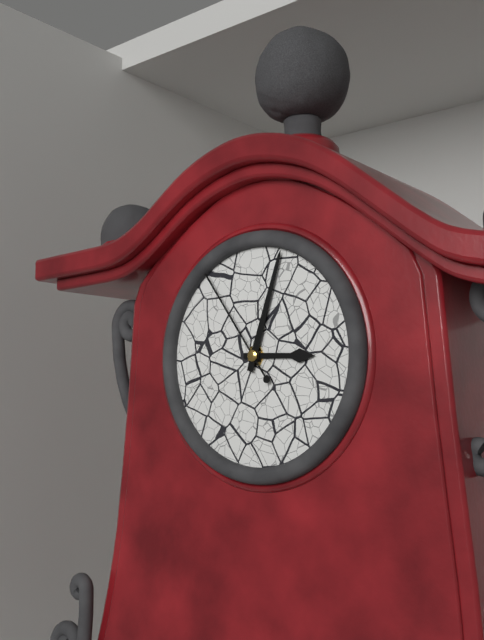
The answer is 3h03m54s
